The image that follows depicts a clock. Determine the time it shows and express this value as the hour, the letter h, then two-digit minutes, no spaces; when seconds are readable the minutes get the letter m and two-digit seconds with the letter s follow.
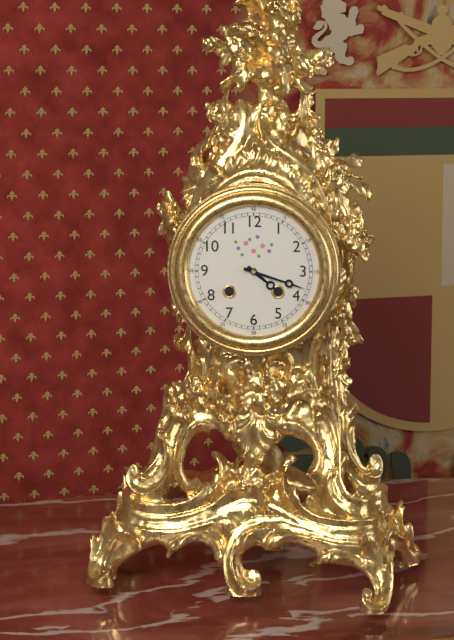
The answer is 4h18
